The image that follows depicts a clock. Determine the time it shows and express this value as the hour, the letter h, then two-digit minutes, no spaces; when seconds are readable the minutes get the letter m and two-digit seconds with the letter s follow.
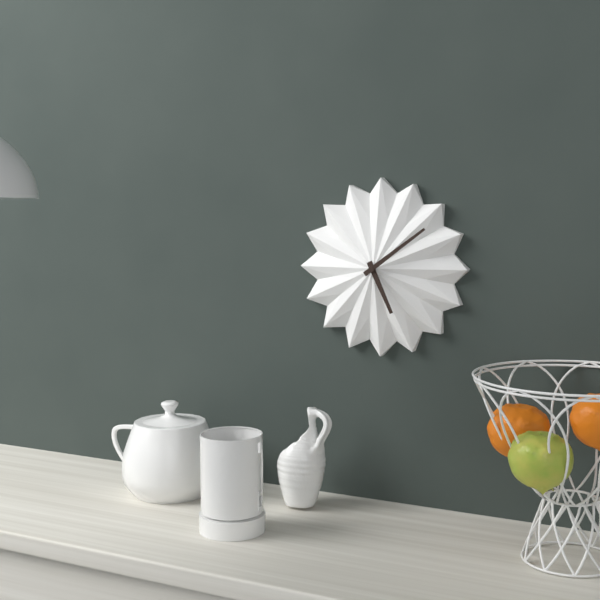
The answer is 5h09
